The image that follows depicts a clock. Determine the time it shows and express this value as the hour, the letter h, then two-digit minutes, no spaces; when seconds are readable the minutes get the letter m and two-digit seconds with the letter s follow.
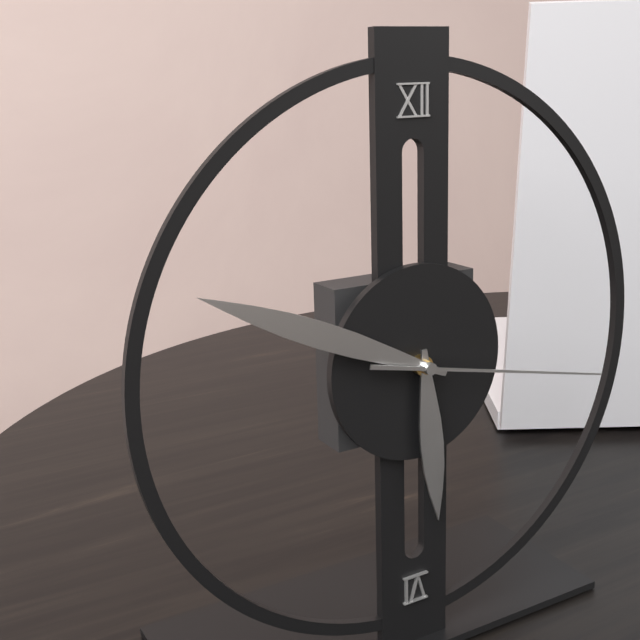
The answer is 5h49m17s
